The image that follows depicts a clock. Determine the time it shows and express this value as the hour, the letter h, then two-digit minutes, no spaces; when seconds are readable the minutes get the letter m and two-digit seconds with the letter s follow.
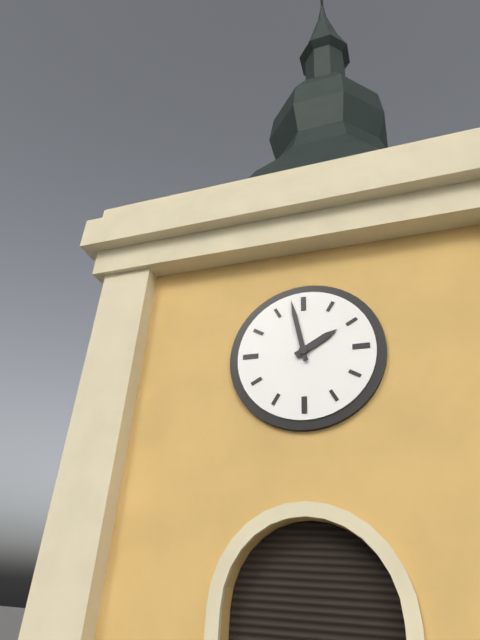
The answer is 1h58
